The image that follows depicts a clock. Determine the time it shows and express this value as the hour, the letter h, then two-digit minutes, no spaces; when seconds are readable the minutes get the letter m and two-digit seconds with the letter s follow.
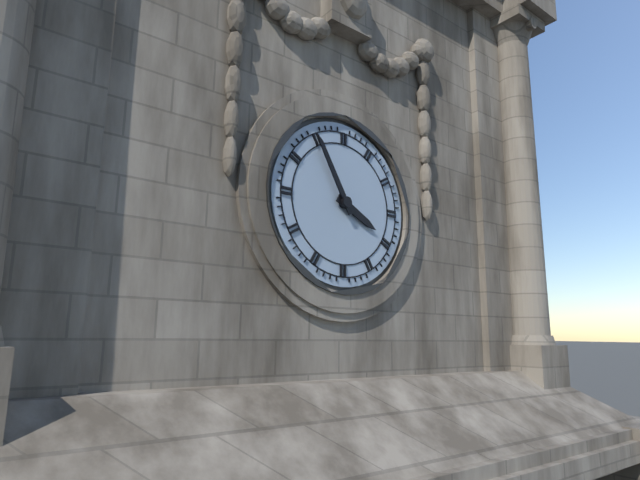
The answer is 3h55
